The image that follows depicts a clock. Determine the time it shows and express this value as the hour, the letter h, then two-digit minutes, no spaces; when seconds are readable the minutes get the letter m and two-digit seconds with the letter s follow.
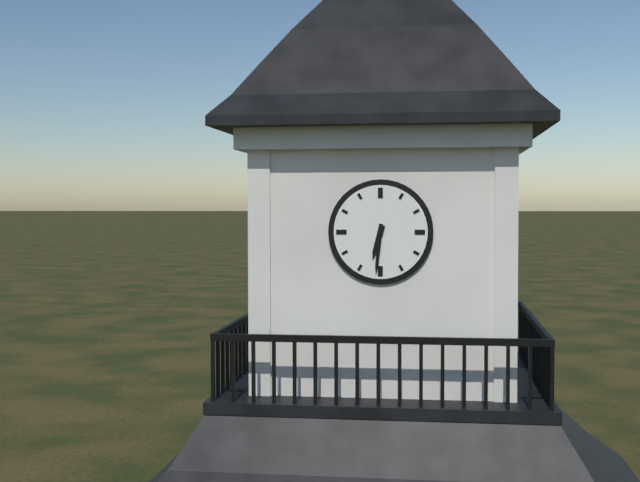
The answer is 6h31
